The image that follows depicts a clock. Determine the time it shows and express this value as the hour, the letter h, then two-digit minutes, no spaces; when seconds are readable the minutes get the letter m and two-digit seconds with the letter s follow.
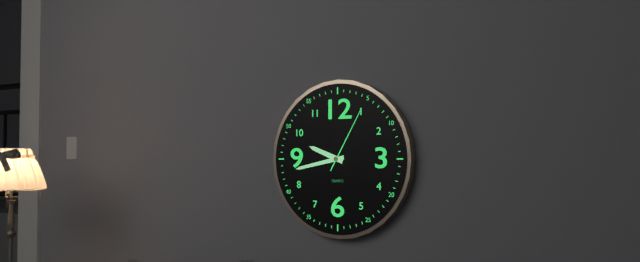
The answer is 9h43m05s
